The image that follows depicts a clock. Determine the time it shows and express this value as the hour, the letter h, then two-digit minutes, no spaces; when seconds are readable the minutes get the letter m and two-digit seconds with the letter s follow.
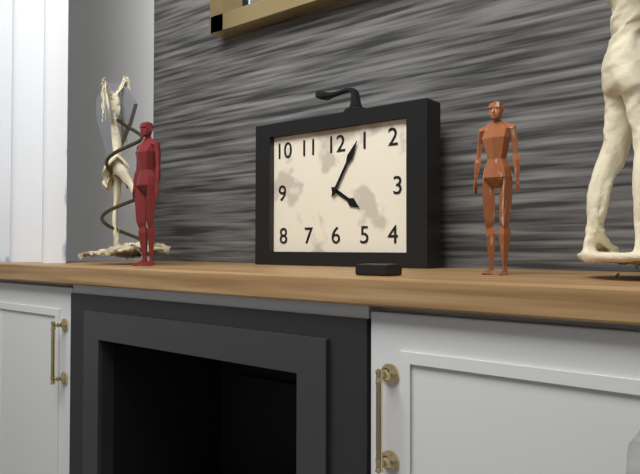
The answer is 4h05
